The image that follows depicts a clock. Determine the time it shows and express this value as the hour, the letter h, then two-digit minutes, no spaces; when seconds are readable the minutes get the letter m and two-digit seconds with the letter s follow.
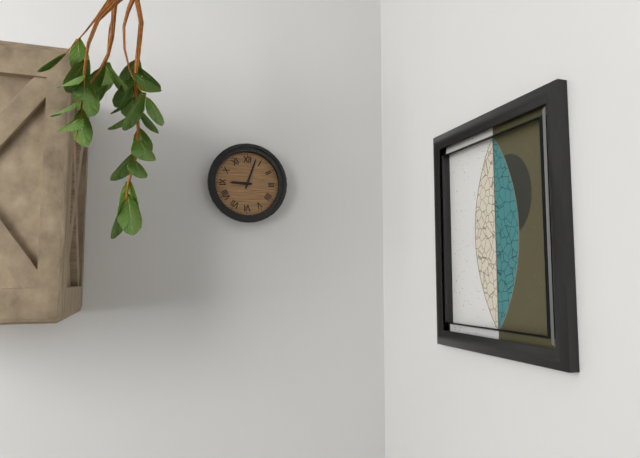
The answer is 9h03
